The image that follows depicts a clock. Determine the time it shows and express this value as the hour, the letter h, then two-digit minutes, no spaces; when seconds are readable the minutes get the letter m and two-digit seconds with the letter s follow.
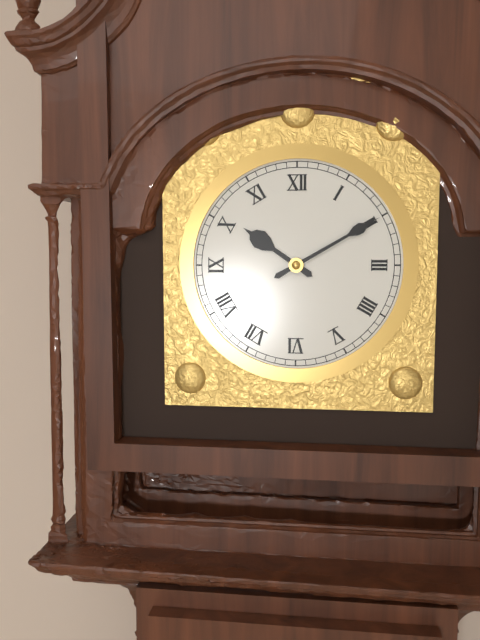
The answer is 10h10
